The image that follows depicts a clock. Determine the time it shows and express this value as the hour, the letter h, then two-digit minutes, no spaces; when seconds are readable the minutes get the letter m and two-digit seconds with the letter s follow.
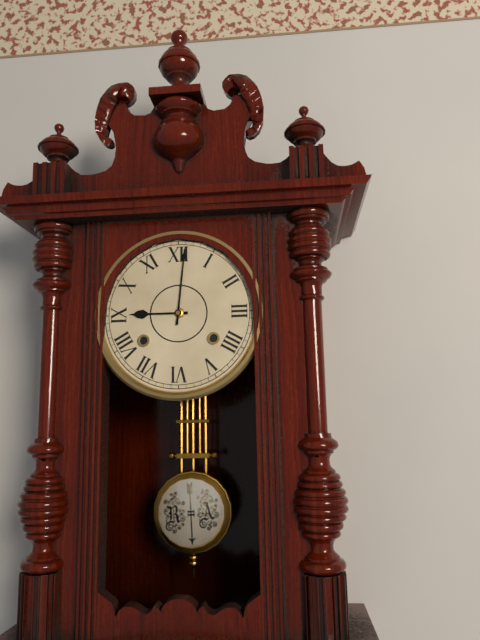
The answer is 9h01
